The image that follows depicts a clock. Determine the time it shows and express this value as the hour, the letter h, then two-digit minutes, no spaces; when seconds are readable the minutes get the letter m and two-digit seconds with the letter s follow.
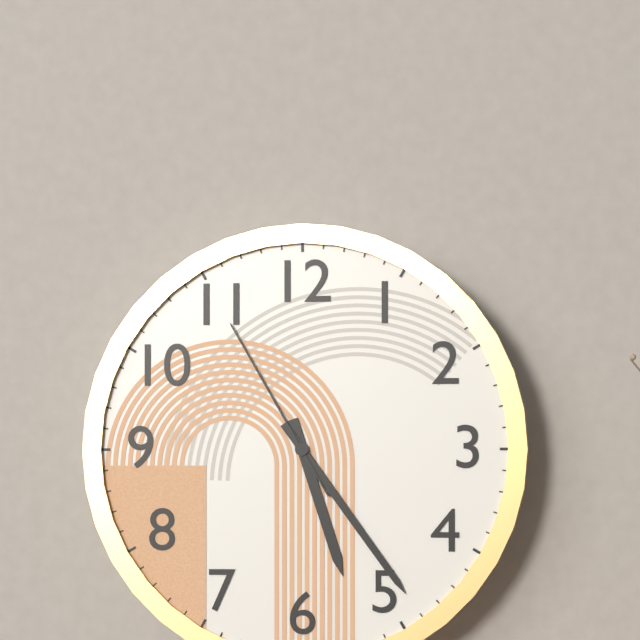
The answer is 5h24m55s
